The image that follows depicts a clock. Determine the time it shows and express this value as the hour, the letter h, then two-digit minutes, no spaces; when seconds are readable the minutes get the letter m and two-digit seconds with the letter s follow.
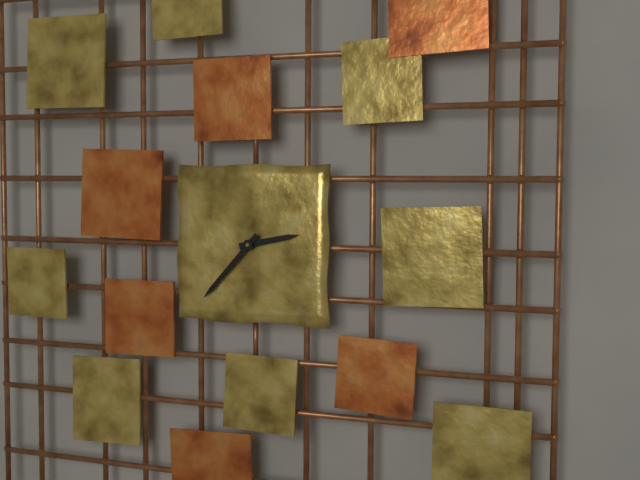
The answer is 2h37
